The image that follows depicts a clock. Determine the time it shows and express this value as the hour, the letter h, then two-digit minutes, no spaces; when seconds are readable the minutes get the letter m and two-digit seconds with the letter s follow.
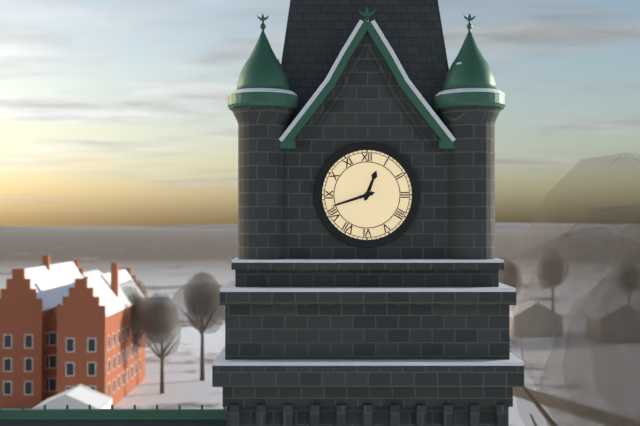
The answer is 12h42
